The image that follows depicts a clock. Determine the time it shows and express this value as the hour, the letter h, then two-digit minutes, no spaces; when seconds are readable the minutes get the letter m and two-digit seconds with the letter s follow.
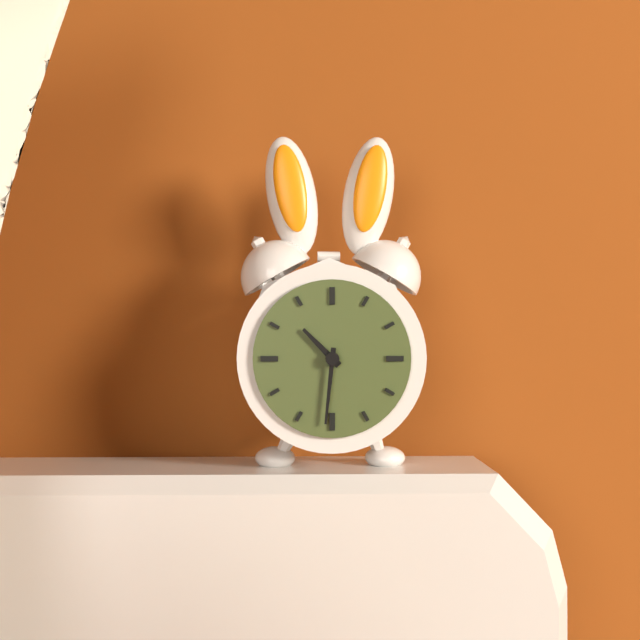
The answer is 10h31
